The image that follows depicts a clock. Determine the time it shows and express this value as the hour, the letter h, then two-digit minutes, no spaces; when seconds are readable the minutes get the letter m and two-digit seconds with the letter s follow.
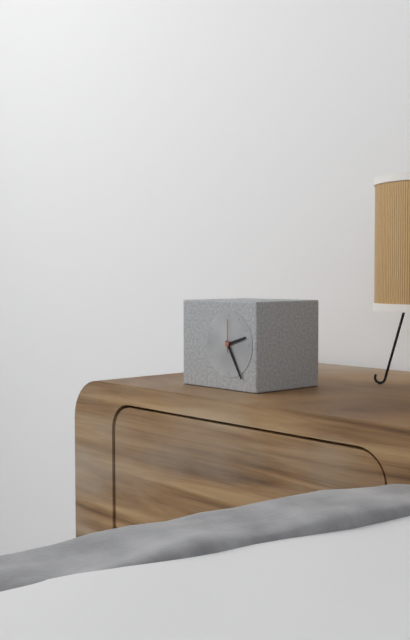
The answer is 2h25
